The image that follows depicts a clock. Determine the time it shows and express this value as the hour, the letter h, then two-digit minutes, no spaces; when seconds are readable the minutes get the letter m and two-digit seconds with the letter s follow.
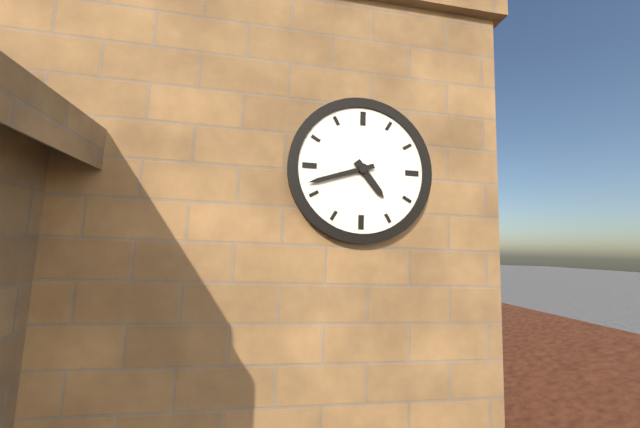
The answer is 4h42
